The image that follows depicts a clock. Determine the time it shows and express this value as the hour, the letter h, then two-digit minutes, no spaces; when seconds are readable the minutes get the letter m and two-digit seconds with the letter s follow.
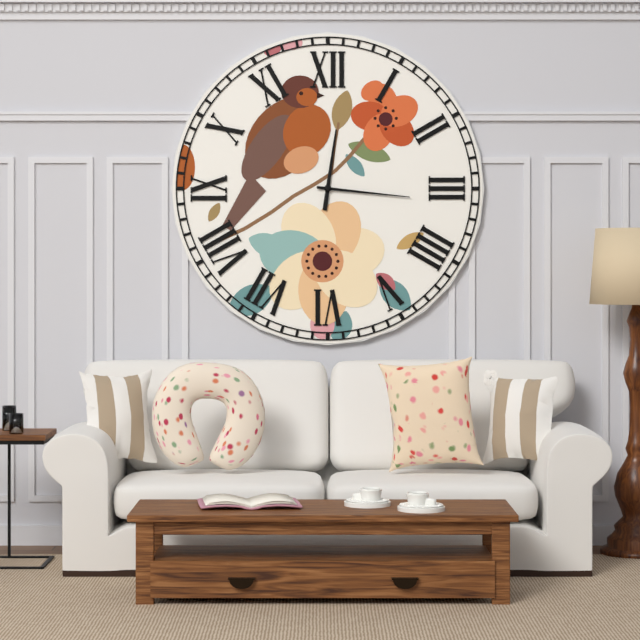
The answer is 12h16
